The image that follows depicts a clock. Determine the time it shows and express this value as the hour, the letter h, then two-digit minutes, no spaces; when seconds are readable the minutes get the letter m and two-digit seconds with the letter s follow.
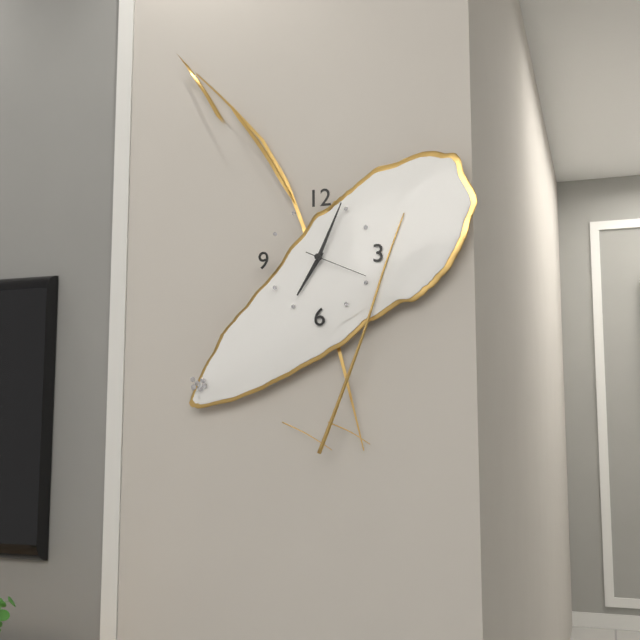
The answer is 7h04m19s
